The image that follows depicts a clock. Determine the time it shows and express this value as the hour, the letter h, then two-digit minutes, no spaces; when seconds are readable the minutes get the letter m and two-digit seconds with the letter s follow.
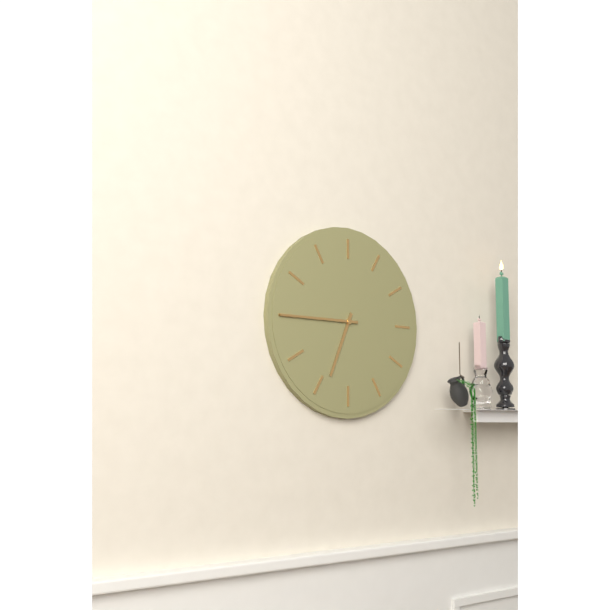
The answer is 6h45
